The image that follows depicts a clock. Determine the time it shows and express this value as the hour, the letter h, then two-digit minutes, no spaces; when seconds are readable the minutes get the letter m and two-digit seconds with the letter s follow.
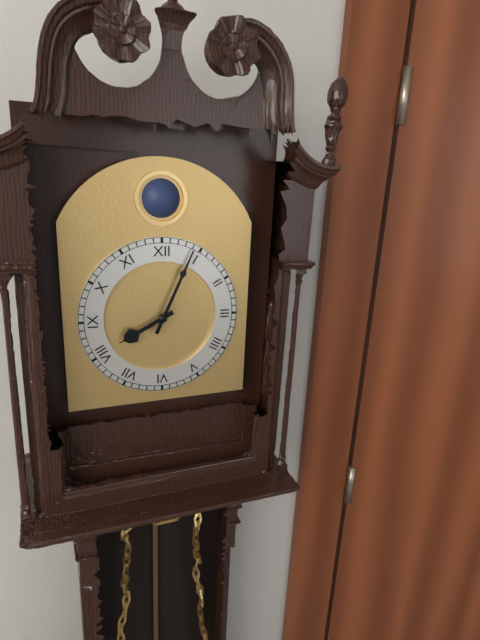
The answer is 8h04
